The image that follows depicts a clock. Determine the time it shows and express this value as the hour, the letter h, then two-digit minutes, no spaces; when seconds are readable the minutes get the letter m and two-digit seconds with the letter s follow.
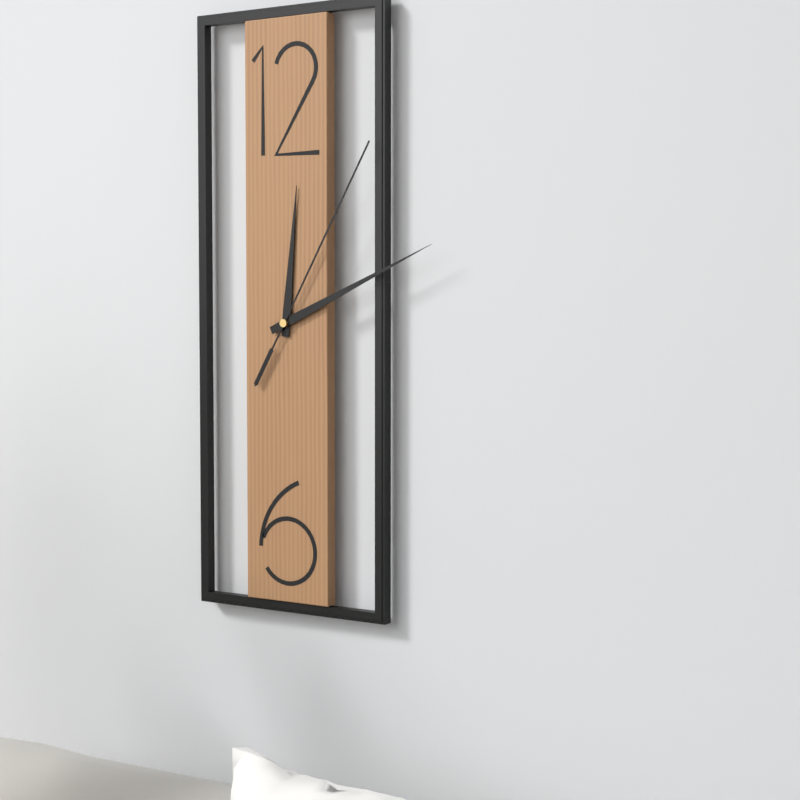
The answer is 12h11m05s
